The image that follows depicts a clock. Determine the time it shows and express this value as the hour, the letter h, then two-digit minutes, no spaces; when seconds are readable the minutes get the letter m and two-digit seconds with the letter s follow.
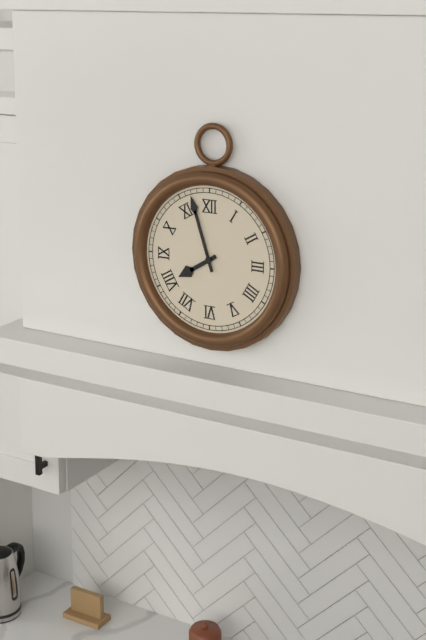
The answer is 7h57
